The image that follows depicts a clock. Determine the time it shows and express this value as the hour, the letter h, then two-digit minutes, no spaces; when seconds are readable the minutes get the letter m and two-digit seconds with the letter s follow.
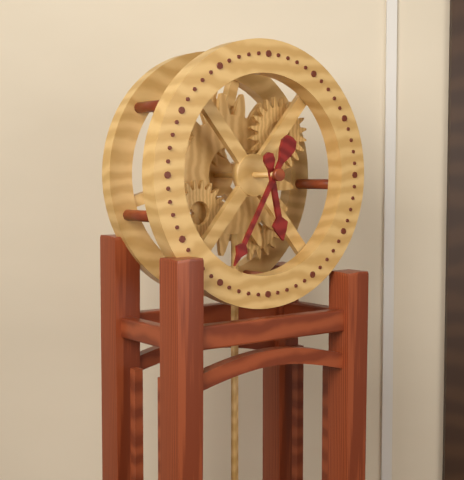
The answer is 5h35
